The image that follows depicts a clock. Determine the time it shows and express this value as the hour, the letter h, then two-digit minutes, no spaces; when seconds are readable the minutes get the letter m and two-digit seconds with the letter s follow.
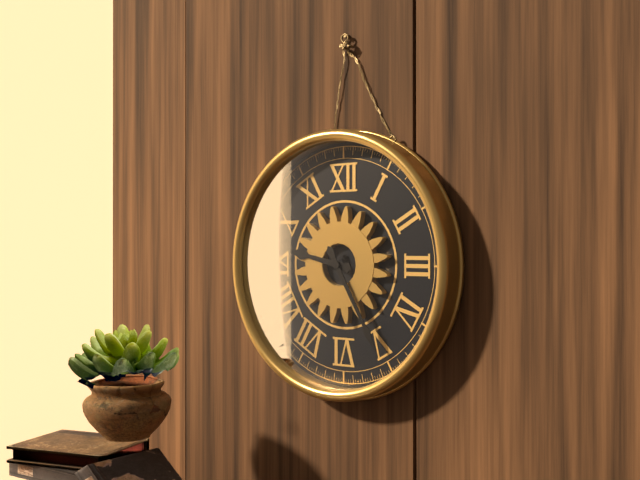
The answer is 9h25
